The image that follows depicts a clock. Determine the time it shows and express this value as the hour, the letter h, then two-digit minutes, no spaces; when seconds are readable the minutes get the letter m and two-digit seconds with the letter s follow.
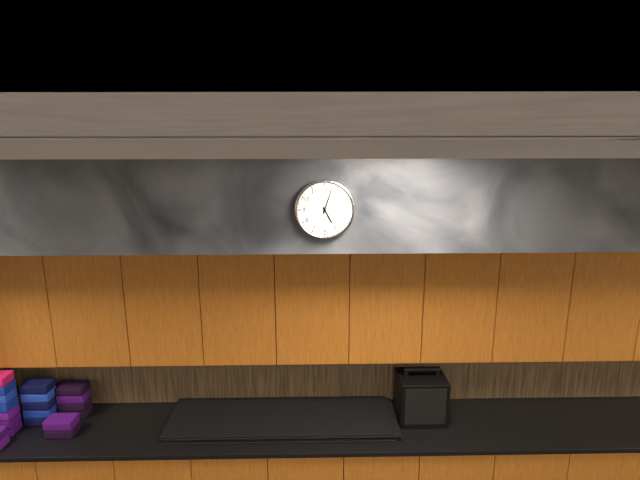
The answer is 5h03
